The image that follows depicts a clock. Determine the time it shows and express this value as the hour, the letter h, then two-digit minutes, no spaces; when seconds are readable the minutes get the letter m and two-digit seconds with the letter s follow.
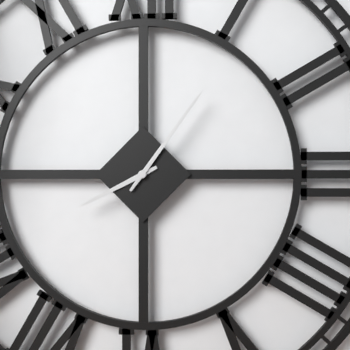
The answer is 8h06
